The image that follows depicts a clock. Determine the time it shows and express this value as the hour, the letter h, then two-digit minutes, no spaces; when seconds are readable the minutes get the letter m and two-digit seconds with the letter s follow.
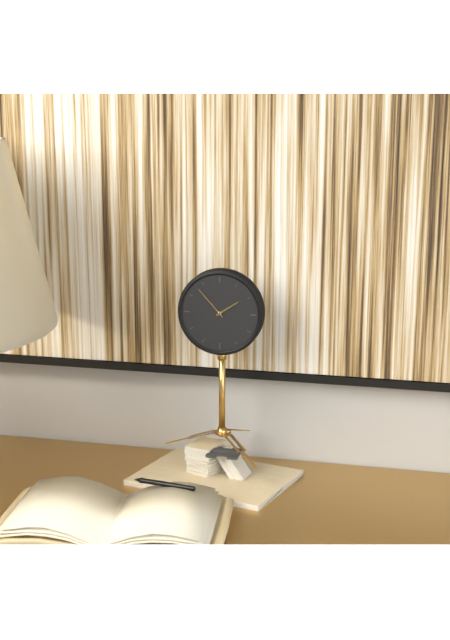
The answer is 1h53
